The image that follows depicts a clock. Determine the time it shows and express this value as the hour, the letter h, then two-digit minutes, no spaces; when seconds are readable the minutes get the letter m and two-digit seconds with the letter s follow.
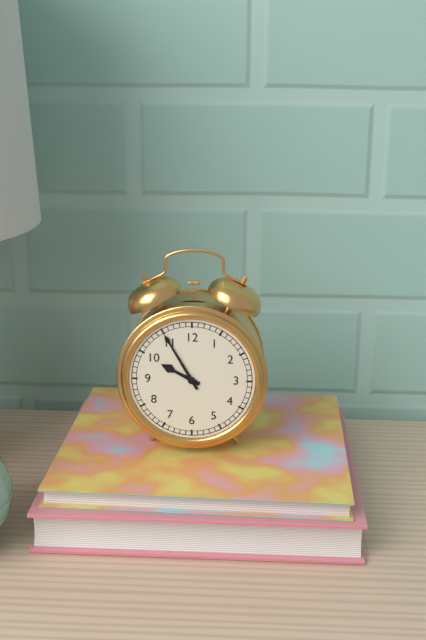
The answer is 9h55
